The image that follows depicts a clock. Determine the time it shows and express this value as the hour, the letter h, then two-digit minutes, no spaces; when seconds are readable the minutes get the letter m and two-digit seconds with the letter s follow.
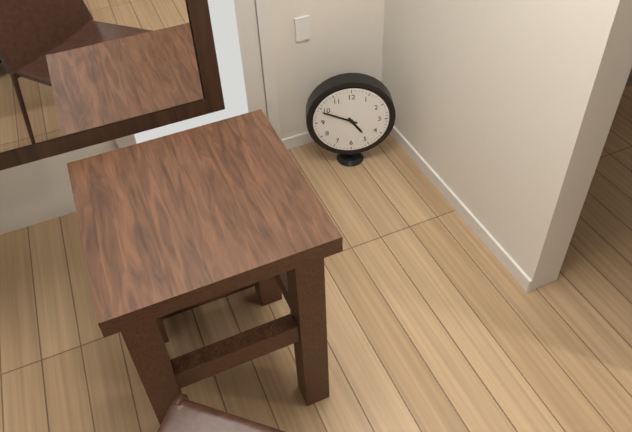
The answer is 4h49
